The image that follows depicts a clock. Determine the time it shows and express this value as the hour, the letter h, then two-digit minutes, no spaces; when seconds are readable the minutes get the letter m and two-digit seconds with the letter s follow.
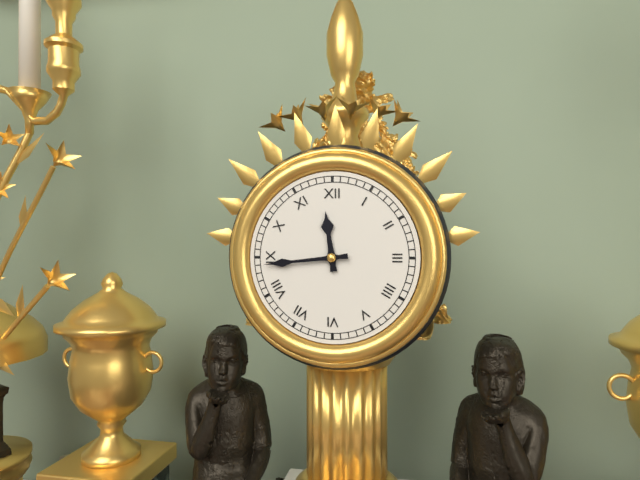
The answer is 11h44
